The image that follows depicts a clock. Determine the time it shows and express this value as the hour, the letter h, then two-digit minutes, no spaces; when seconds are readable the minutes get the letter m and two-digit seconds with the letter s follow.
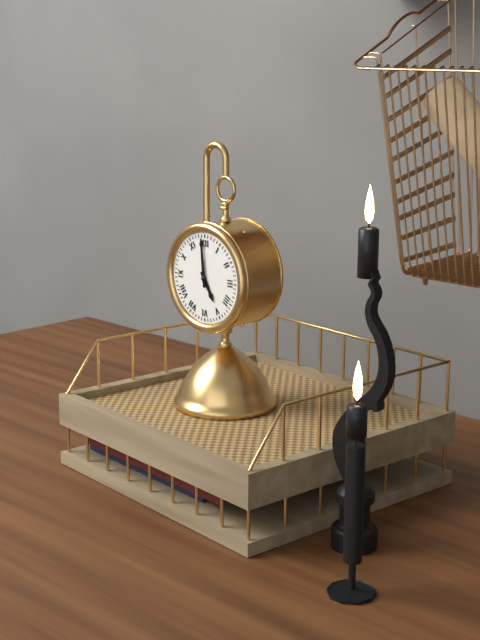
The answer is 4h59
